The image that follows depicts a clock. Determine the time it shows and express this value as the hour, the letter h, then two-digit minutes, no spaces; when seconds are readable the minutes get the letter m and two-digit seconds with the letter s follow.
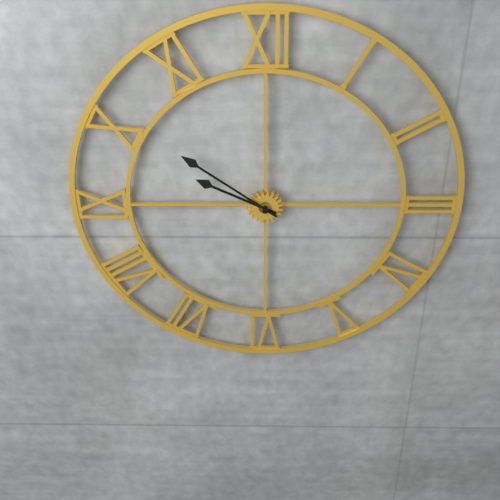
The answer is 9h51
